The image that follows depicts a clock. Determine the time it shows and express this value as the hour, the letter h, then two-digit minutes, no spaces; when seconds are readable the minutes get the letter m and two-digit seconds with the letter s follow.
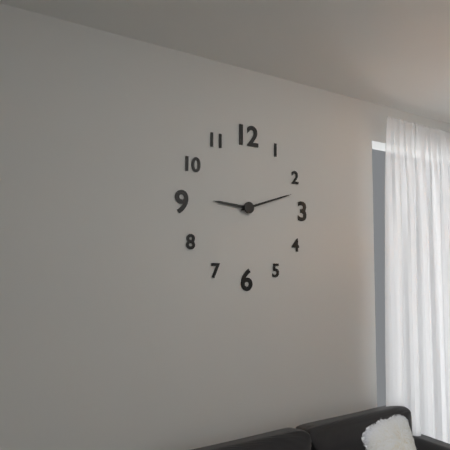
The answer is 9h12
